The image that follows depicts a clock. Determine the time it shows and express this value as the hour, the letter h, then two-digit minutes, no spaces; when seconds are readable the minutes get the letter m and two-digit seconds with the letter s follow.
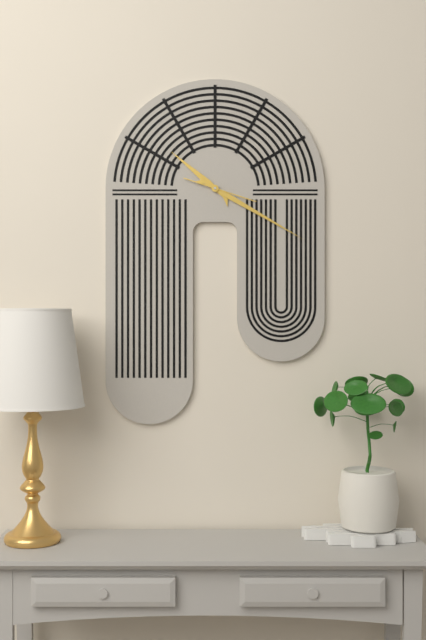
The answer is 10h20m18s
